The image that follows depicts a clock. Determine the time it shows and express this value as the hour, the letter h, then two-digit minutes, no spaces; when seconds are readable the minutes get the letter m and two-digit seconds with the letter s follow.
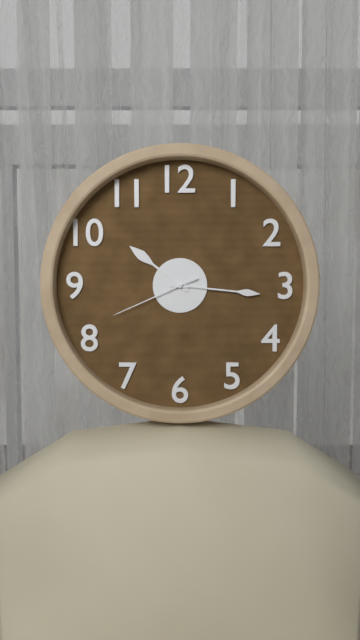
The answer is 10h16m41s
